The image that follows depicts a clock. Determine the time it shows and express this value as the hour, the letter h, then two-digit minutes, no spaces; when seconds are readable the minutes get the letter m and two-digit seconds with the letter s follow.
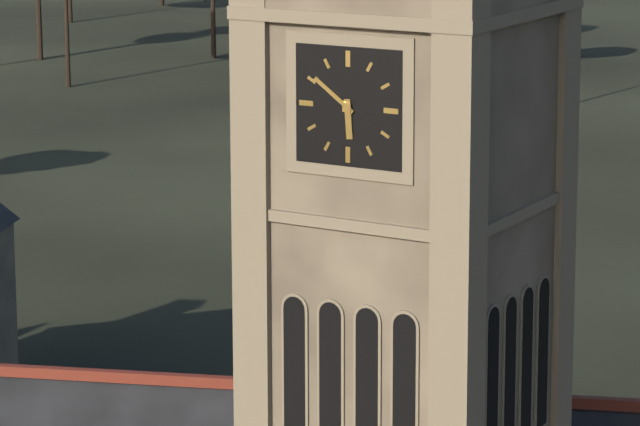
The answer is 5h51
